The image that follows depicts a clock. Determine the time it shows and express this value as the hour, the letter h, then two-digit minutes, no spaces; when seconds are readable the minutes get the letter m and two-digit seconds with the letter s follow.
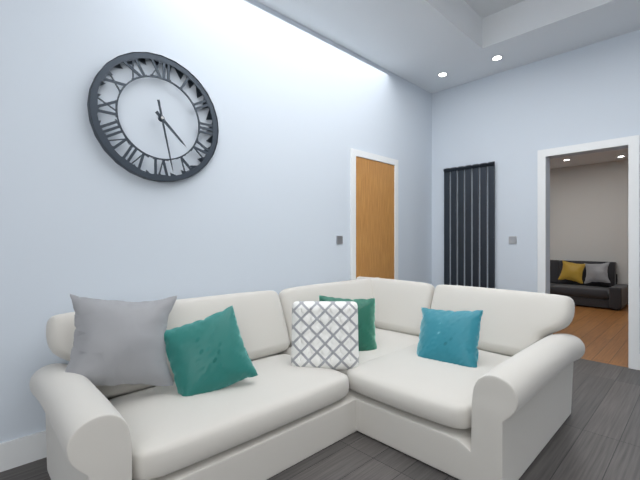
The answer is 4h28
